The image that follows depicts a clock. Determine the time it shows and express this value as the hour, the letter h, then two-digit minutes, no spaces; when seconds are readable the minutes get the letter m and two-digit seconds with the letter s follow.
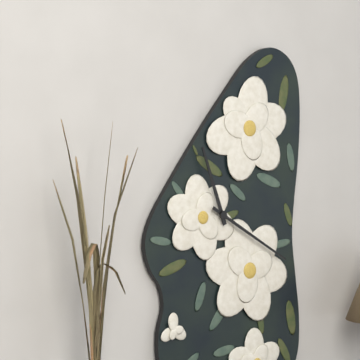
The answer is 11h20
